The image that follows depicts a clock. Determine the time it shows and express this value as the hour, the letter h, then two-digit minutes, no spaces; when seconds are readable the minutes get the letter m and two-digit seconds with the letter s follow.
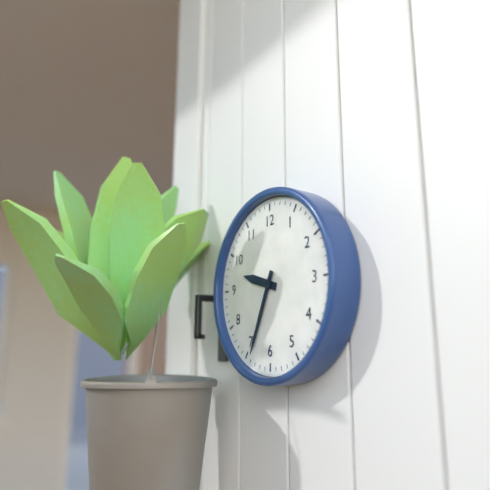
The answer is 9h34
